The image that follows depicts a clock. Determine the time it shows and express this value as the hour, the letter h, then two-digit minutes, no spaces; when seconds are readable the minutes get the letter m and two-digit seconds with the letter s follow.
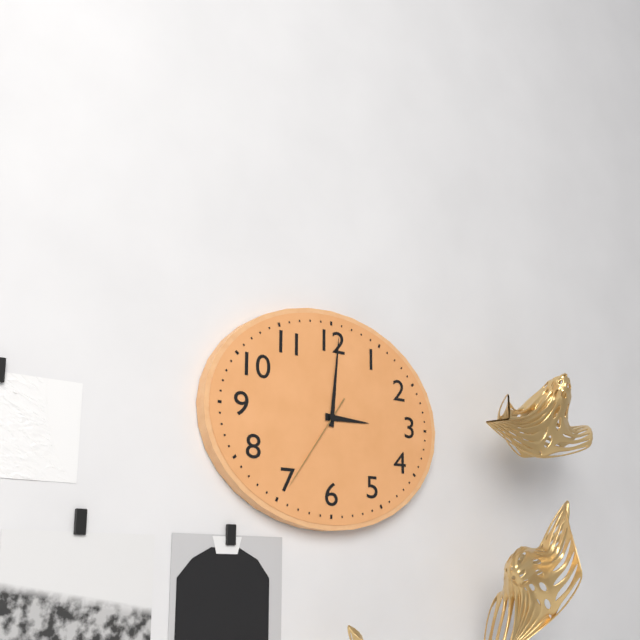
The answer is 3h01m36s
